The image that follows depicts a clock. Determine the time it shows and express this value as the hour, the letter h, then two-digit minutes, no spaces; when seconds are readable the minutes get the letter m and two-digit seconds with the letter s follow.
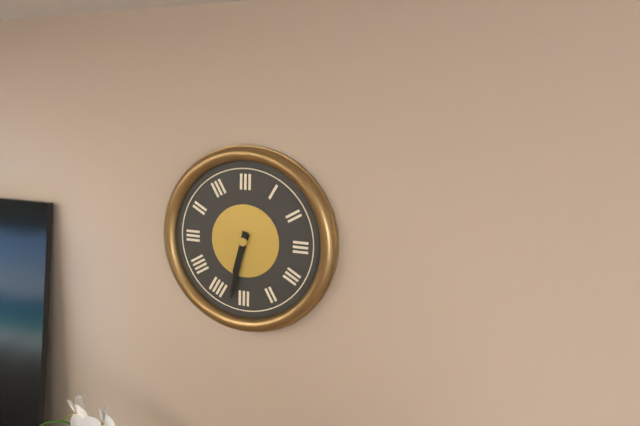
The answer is 6h32
